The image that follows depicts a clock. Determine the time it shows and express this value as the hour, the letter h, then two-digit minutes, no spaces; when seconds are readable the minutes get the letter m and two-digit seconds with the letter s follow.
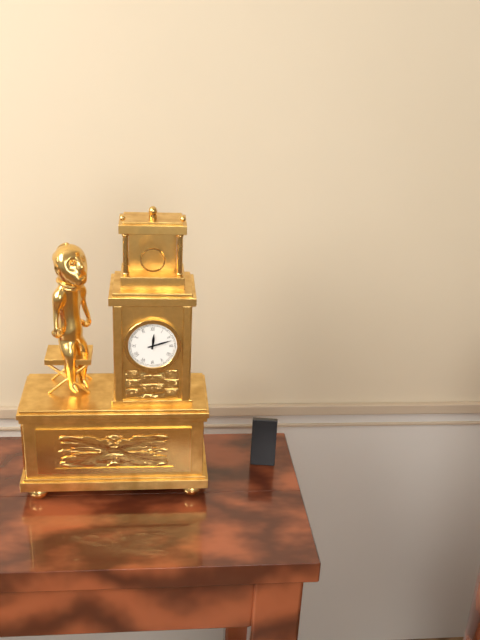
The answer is 12h12
